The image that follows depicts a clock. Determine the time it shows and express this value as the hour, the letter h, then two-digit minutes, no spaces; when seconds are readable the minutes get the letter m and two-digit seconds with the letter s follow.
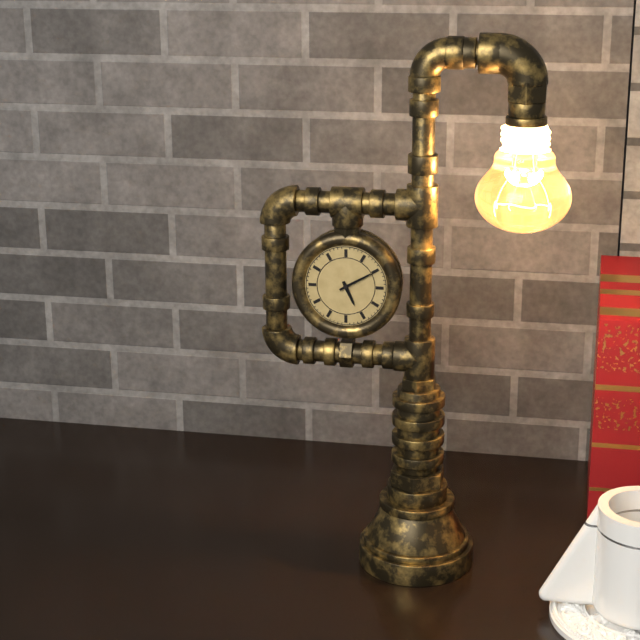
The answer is 5h10
